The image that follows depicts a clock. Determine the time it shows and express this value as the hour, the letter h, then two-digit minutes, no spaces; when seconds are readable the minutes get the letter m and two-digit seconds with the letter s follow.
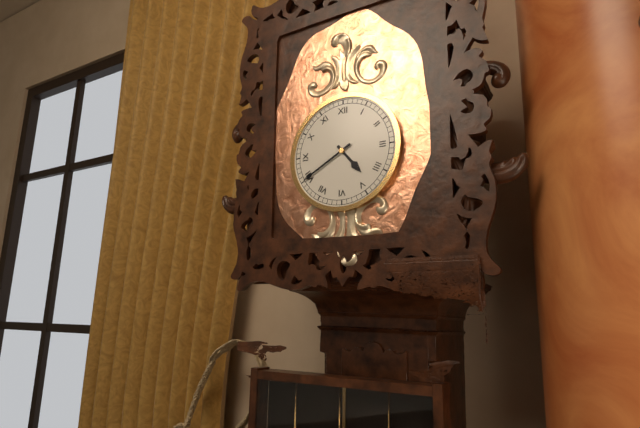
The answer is 4h40
